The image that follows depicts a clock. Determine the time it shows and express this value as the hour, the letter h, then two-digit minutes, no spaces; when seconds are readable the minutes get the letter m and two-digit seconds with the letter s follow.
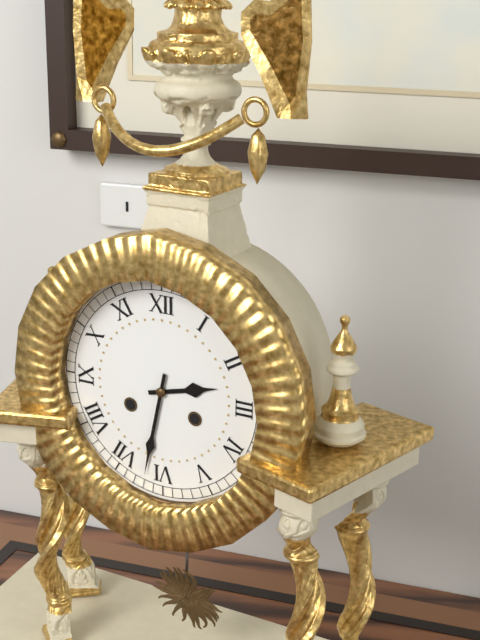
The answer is 2h32
